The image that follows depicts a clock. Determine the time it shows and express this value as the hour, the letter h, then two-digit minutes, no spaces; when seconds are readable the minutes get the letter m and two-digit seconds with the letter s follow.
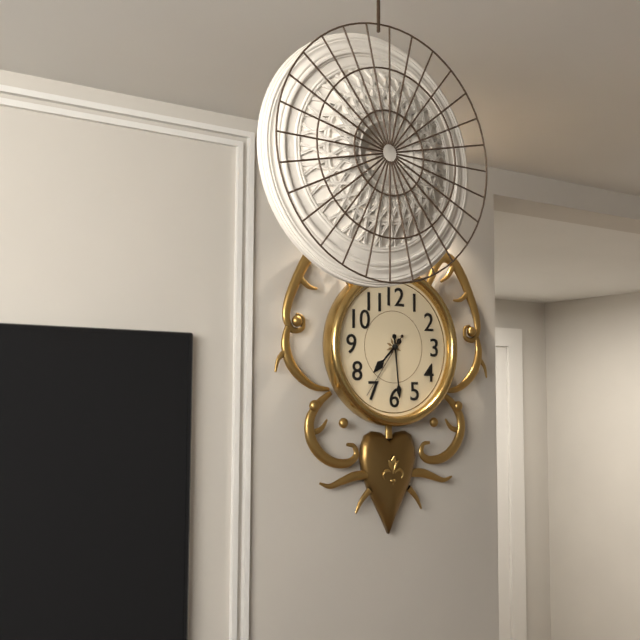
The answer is 7h29m36s
